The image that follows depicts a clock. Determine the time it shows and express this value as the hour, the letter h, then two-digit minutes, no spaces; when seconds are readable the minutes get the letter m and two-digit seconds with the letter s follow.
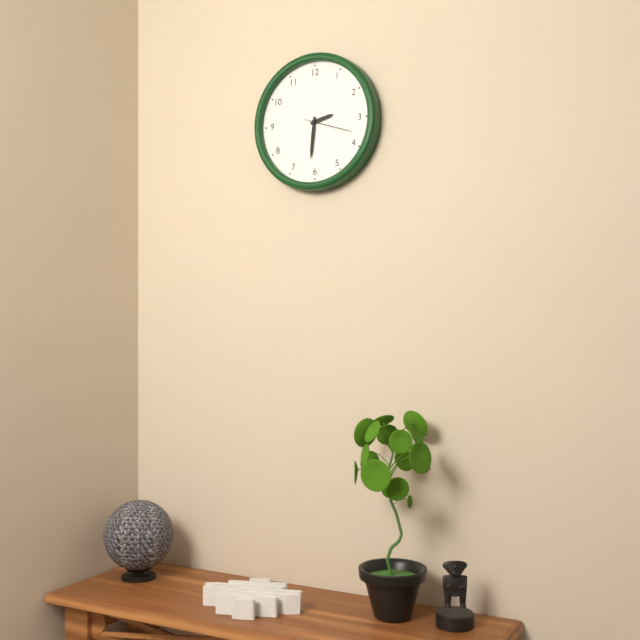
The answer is 2h31m18s
